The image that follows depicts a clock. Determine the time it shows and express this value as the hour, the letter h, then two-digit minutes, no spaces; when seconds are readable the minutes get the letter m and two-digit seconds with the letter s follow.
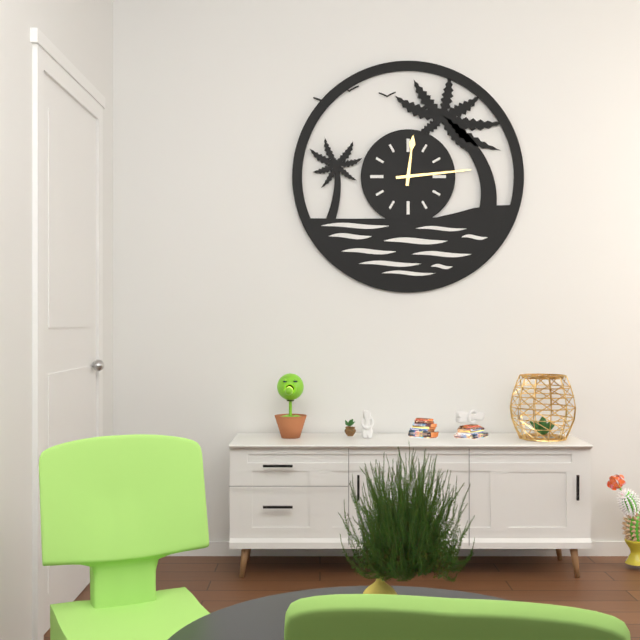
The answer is 12h14
